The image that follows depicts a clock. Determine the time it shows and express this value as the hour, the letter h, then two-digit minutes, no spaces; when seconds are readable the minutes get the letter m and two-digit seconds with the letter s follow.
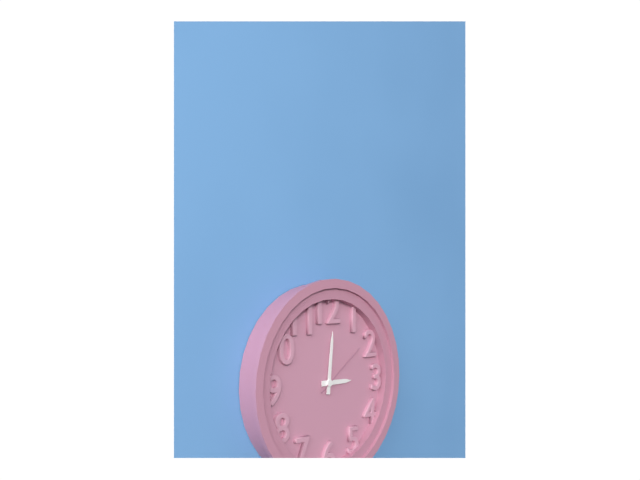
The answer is 3h01m09s
